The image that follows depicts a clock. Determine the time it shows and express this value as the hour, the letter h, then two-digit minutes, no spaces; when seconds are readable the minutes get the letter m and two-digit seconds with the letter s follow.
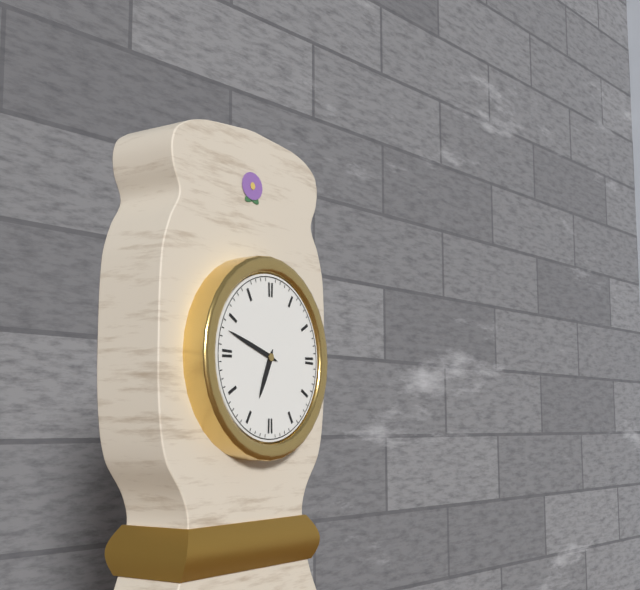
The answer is 6h48
